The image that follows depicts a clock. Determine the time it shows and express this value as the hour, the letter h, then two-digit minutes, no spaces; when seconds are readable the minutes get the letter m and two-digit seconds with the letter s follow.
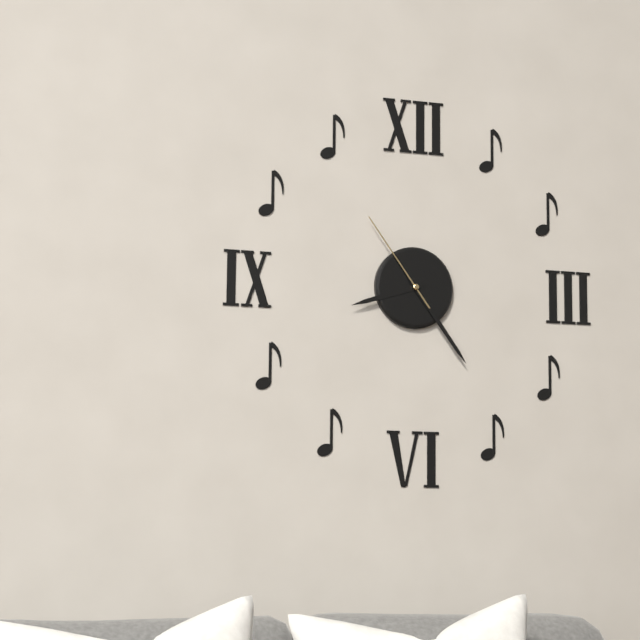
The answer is 8h24m54s
